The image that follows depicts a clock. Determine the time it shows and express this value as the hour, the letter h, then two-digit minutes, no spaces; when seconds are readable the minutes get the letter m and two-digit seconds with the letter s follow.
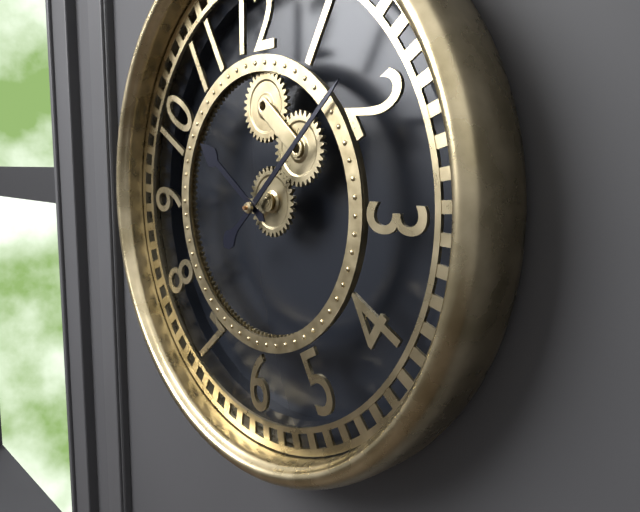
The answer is 10h08
